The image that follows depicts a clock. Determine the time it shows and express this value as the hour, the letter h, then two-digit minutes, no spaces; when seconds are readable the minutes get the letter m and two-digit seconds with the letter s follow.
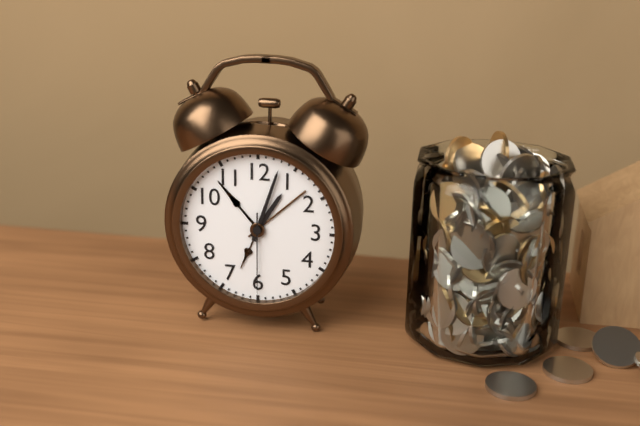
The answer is 1h03m30s
